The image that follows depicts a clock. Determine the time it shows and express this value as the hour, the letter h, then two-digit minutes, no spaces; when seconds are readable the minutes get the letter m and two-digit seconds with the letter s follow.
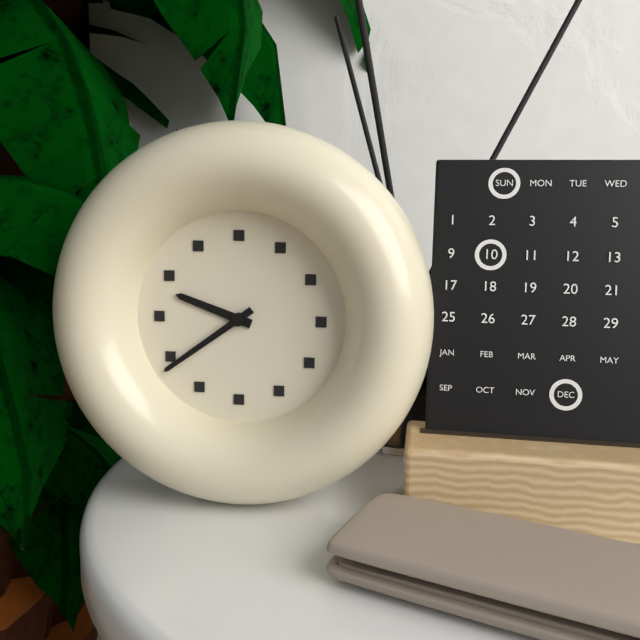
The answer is 9h39
